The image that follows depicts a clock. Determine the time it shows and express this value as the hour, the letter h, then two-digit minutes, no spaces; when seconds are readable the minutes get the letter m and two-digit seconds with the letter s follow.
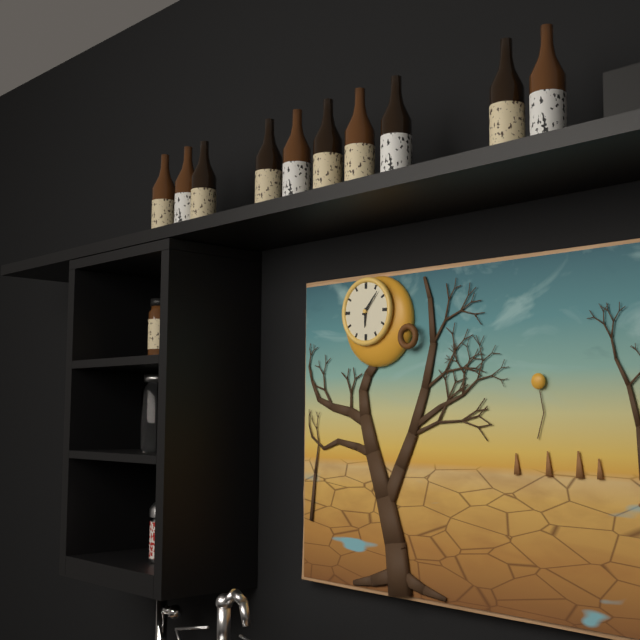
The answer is 6h07
